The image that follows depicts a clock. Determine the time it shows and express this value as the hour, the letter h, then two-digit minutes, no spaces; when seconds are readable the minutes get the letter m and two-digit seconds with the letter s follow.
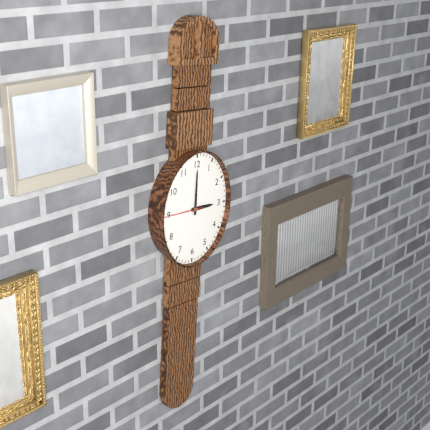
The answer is 3h00
